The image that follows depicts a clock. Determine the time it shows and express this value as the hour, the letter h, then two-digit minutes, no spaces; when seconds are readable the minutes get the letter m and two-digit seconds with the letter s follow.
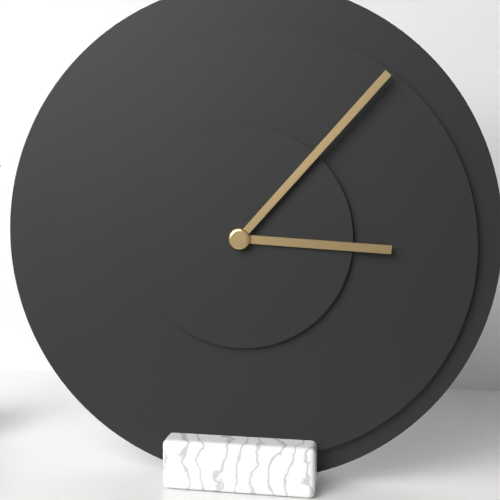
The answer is 3h07
